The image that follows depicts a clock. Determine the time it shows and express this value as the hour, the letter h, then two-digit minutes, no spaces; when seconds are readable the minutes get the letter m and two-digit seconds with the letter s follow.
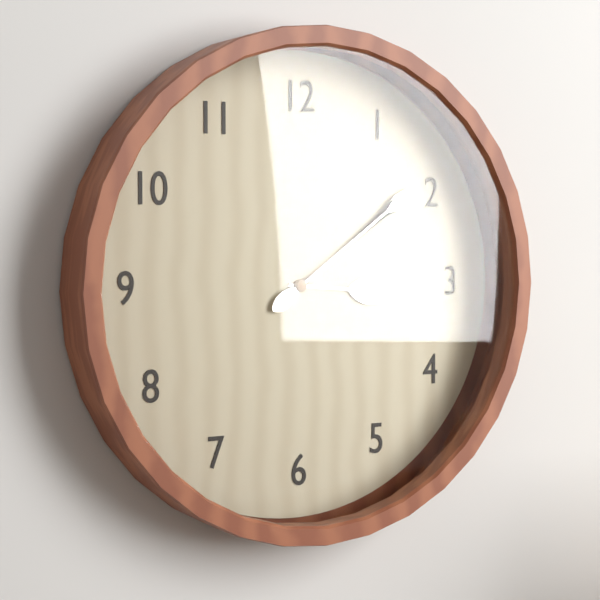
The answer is 3h09
